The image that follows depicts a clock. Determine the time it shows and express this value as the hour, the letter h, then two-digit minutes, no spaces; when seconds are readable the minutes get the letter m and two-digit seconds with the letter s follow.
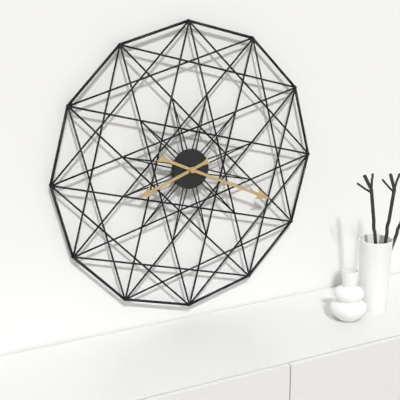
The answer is 8h19
